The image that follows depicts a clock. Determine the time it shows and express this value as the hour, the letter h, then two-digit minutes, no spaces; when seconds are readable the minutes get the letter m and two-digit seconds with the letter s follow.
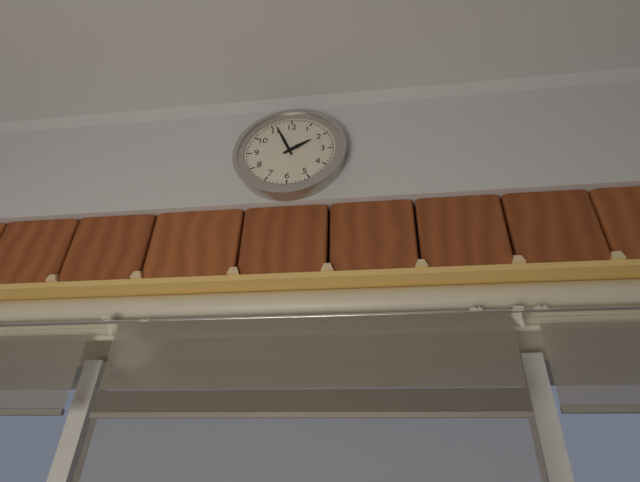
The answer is 1h56
